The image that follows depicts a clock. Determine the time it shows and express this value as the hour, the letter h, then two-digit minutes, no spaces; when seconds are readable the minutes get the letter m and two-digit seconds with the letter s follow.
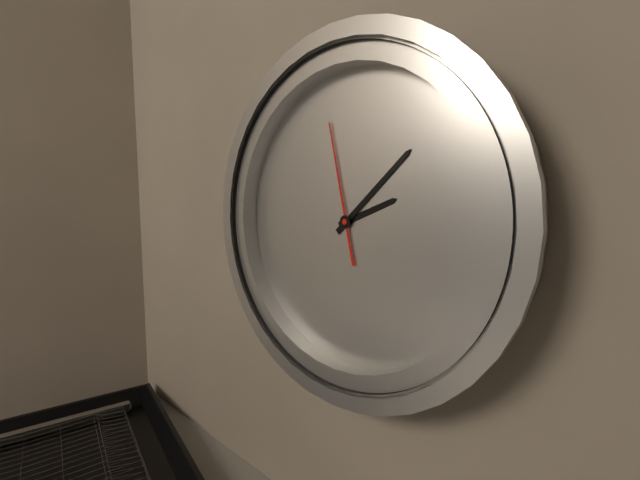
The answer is 2h07m57s
